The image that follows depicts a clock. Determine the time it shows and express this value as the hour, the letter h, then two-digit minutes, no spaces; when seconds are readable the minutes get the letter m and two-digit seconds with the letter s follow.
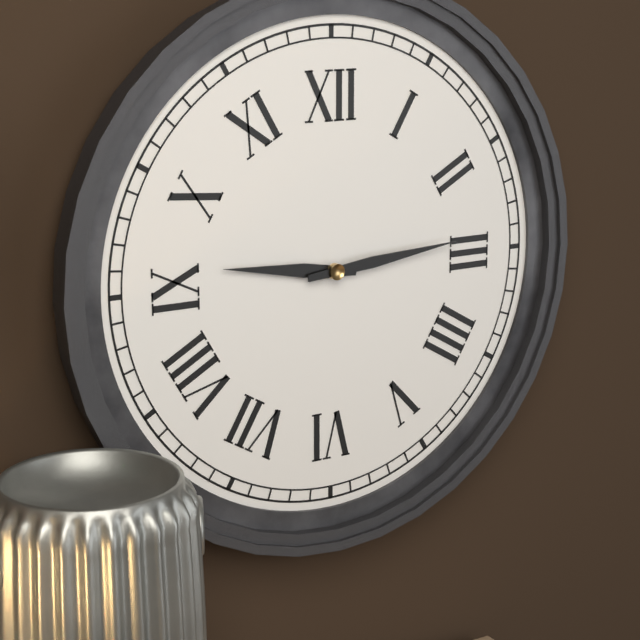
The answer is 9h14
